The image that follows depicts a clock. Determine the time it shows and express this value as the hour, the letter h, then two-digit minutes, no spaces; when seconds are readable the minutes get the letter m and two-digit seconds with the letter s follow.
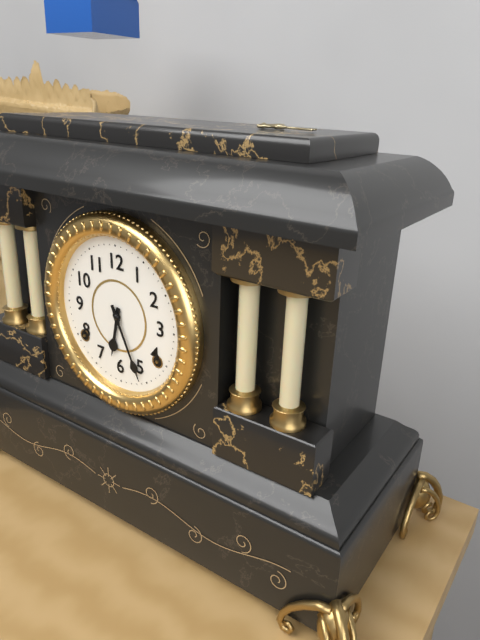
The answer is 6h26
